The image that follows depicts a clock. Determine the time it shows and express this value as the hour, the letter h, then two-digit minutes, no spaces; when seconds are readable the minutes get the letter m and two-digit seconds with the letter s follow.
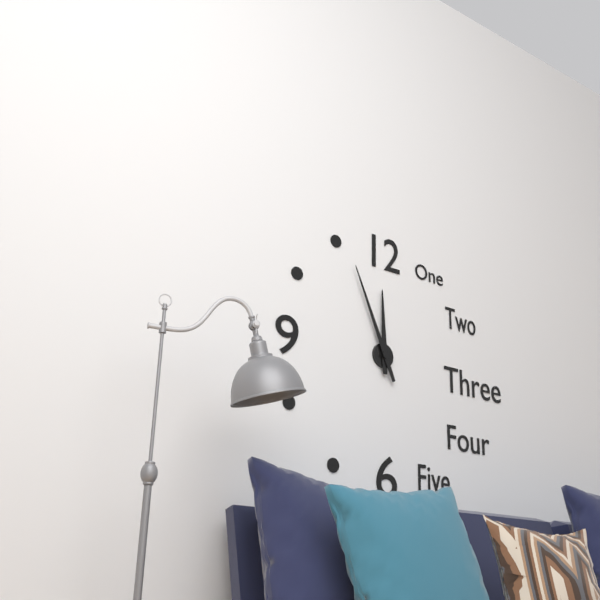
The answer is 11h56
